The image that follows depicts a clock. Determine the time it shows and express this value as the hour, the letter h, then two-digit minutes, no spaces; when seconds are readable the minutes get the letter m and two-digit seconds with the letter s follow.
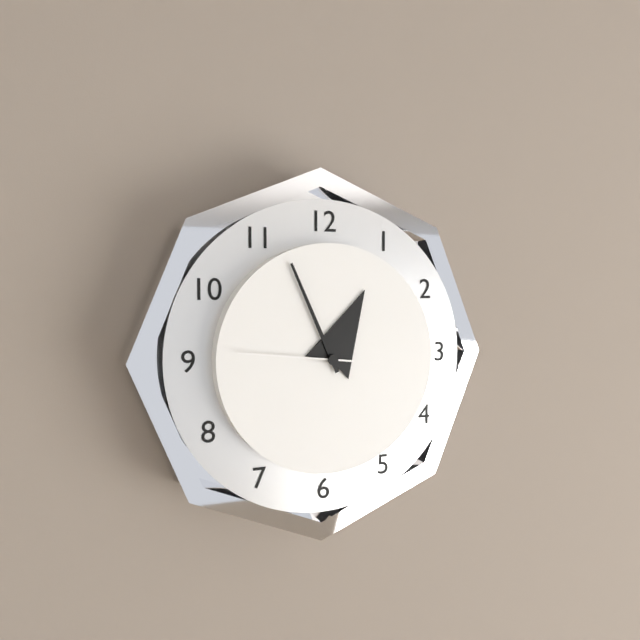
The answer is 12h56m46s
